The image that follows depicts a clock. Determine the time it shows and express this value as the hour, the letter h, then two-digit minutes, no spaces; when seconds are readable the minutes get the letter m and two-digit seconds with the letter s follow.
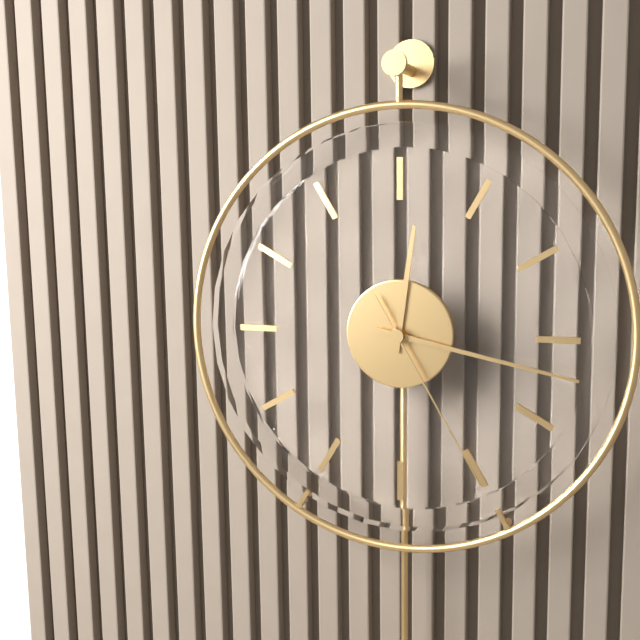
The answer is 12h17m25s
